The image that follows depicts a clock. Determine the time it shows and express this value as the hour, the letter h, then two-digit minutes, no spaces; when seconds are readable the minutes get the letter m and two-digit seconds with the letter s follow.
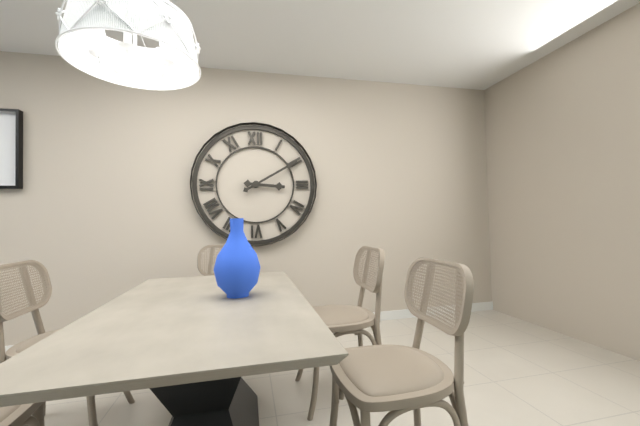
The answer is 3h10
